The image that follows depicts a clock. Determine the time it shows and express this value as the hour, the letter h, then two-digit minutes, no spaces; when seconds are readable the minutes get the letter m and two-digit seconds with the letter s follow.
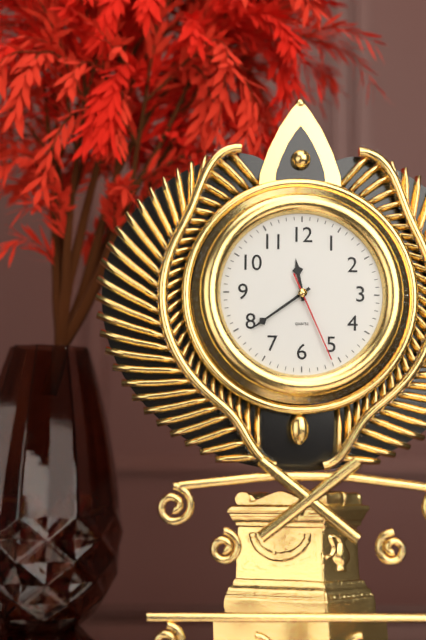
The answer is 11h39m26s
